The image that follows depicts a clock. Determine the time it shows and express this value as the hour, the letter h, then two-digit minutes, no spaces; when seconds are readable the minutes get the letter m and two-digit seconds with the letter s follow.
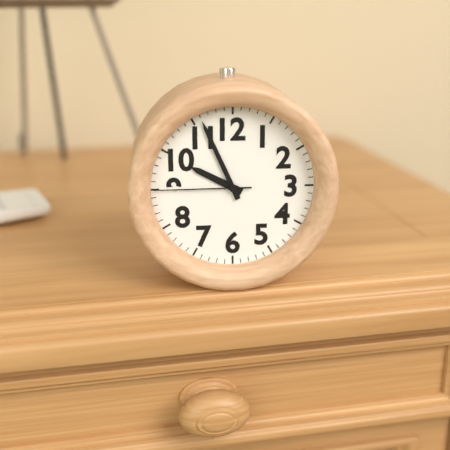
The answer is 9h56m45s
